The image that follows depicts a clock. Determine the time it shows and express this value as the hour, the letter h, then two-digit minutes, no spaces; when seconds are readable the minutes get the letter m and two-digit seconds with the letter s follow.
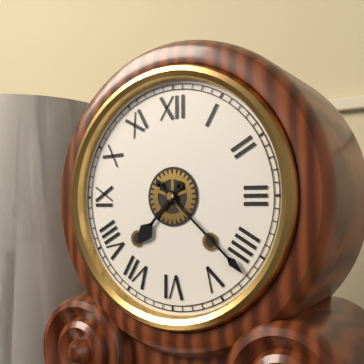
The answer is 7h22
